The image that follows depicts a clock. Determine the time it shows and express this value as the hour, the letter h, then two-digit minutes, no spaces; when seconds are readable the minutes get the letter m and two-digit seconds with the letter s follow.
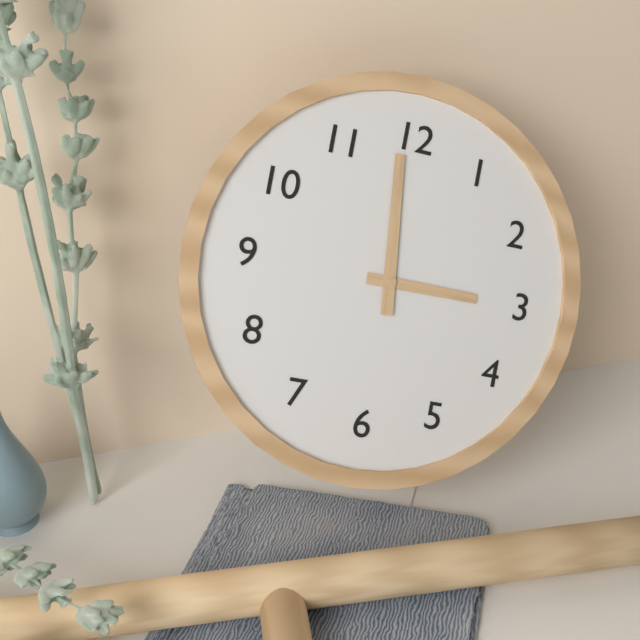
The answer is 2h59
